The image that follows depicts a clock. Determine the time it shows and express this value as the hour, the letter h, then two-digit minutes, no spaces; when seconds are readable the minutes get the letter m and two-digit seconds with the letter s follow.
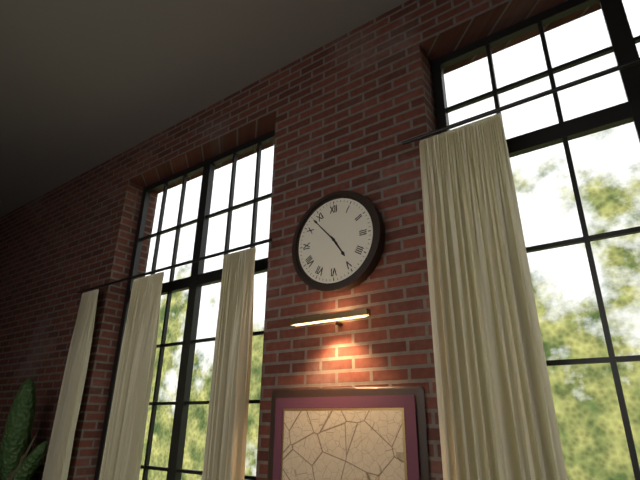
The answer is 4h53
